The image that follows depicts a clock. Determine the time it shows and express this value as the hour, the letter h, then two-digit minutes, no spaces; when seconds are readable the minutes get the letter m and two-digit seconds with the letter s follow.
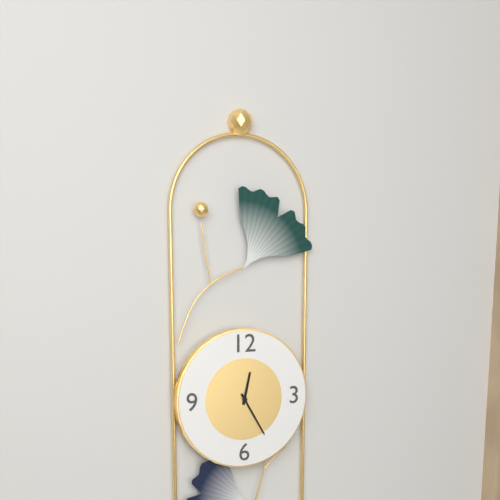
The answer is 12h25
